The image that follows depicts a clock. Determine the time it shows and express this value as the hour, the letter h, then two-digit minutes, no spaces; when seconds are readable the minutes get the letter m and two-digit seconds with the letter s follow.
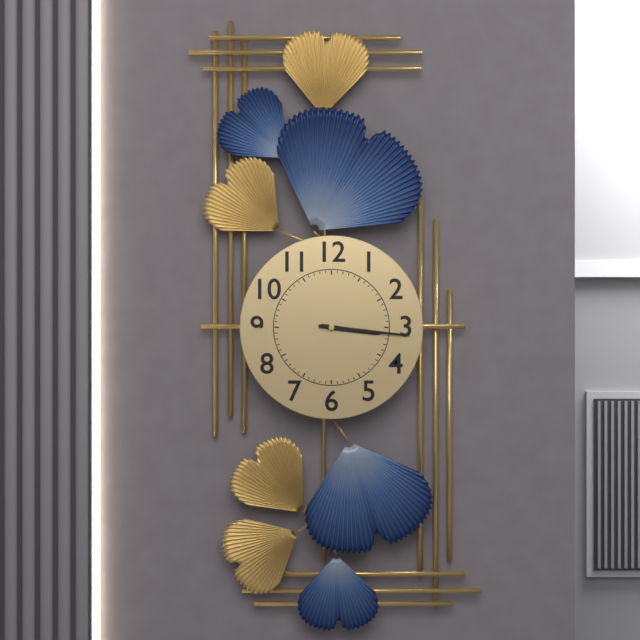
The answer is 3h16
